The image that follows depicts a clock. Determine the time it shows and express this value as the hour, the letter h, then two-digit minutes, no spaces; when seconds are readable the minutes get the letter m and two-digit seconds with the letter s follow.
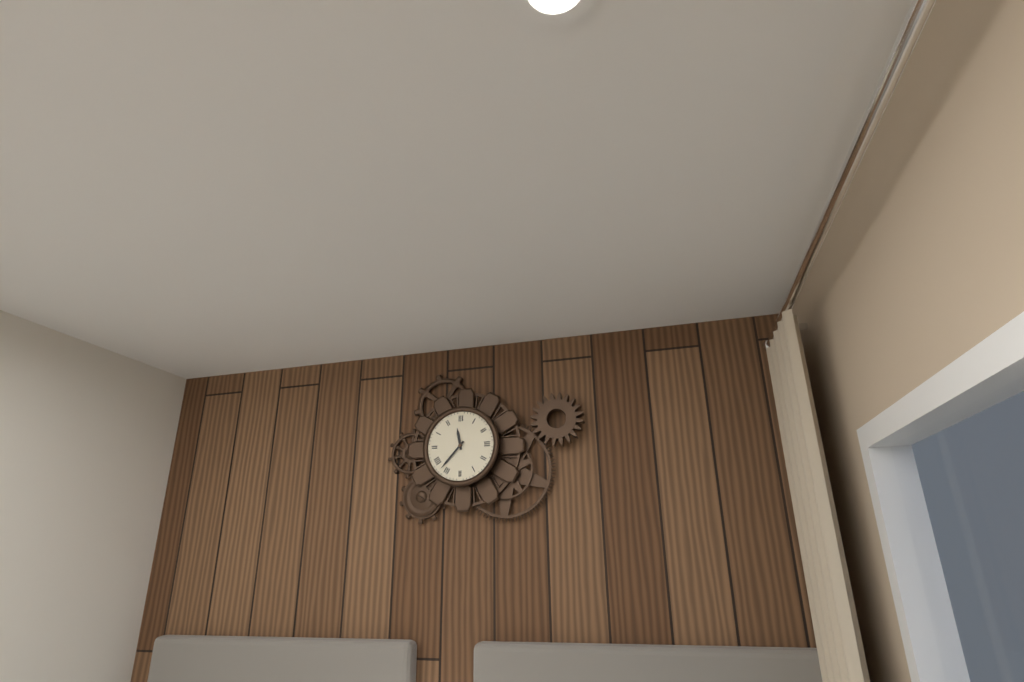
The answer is 11h37
